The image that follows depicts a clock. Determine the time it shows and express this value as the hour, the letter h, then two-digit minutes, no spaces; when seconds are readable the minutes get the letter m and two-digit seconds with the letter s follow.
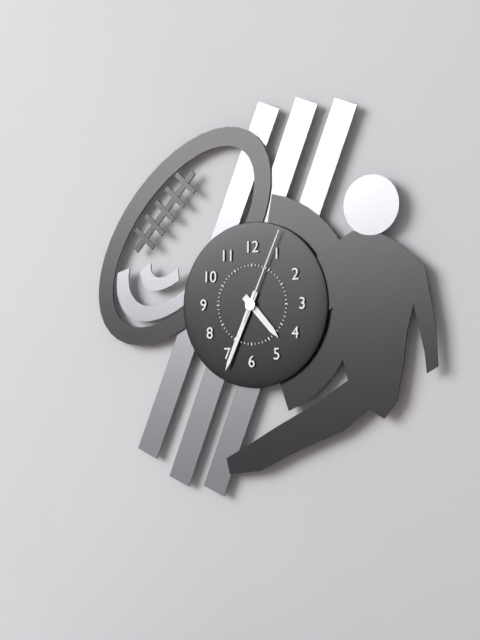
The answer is 4h34m04s
